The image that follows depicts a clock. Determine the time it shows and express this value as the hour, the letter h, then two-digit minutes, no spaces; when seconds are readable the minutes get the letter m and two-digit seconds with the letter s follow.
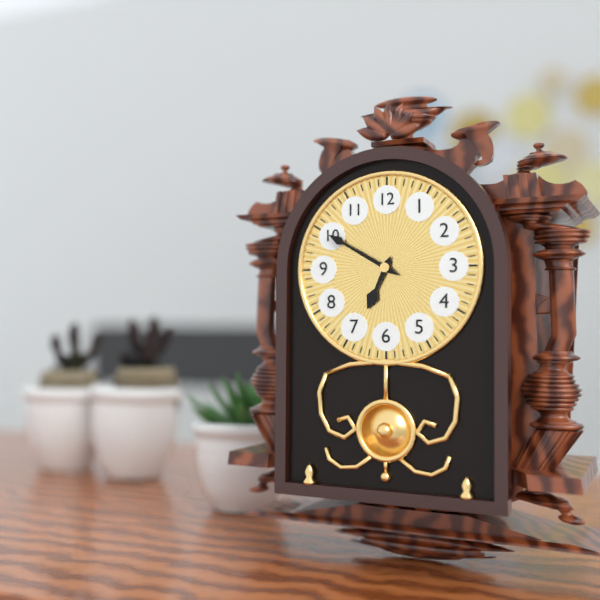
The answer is 6h50
